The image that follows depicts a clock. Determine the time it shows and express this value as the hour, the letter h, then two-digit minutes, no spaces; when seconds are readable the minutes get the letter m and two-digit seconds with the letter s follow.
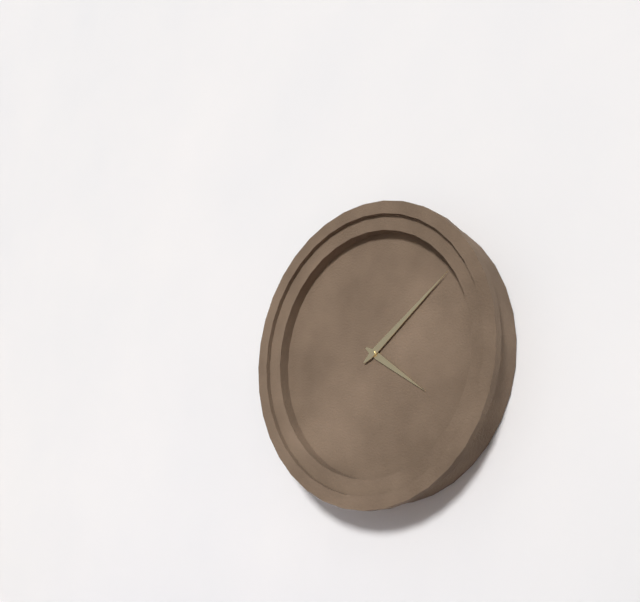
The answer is 4h09
